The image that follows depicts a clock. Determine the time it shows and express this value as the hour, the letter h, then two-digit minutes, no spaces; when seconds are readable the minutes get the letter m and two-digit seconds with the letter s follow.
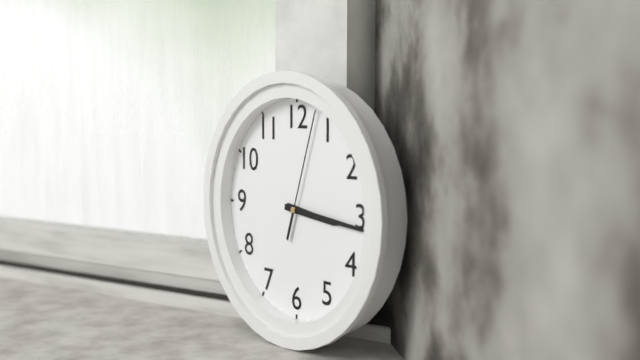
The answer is 3h16m03s
